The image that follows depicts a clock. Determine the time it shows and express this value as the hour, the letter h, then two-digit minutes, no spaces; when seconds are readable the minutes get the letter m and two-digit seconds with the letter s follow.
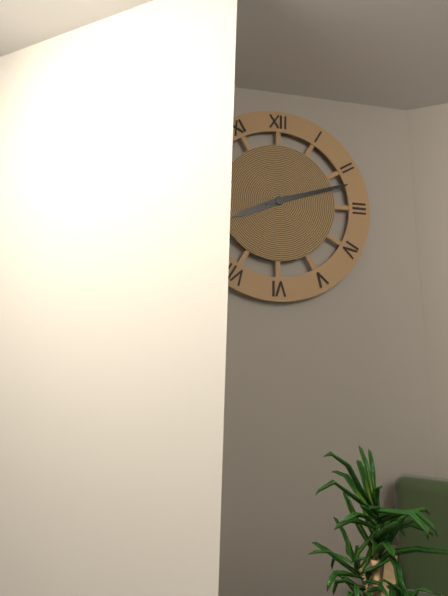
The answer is 8h12
